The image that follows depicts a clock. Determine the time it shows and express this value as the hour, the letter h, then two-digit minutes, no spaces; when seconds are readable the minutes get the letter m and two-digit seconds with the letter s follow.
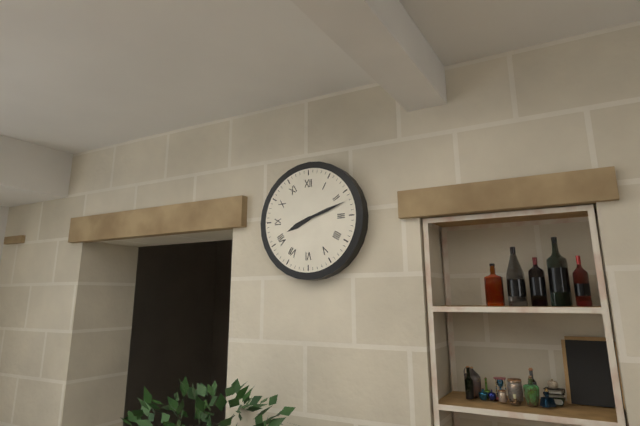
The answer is 8h12
